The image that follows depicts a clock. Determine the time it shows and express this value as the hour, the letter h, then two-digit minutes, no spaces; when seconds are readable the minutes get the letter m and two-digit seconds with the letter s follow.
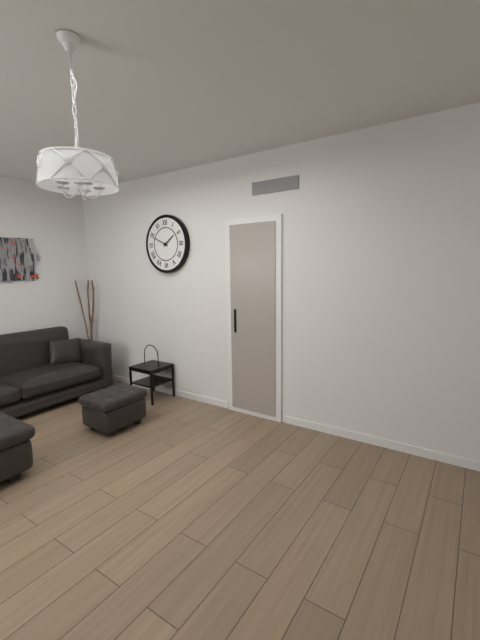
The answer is 1h49
